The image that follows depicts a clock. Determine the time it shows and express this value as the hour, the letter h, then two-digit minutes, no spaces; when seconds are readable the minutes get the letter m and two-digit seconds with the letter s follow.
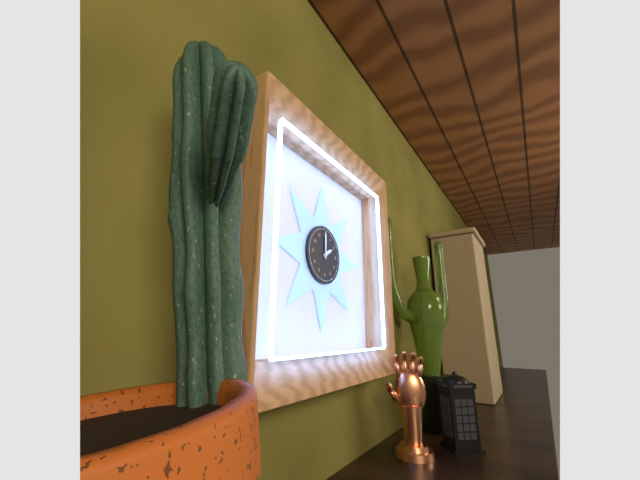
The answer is 2h00
